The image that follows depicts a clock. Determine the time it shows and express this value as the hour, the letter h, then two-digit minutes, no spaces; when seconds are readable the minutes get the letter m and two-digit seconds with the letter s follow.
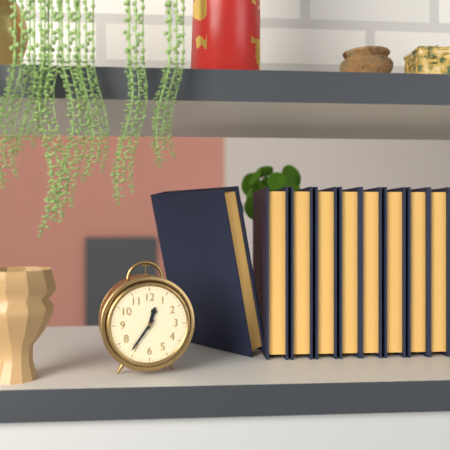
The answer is 12h36
